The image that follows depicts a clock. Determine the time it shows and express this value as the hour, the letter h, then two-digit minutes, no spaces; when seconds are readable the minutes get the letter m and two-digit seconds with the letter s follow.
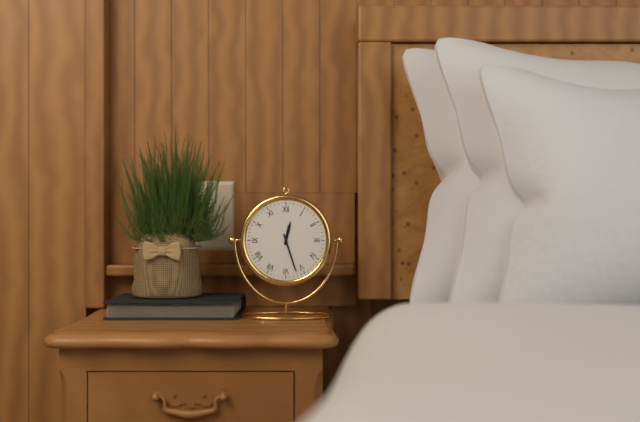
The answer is 12h27
